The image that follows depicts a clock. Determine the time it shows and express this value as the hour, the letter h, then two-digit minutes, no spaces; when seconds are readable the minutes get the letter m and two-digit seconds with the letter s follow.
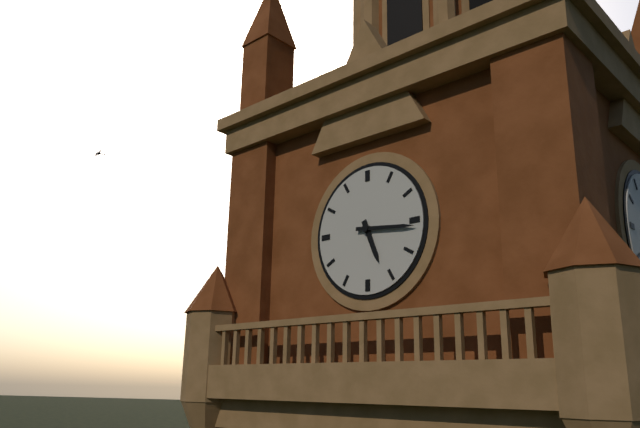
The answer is 5h16
